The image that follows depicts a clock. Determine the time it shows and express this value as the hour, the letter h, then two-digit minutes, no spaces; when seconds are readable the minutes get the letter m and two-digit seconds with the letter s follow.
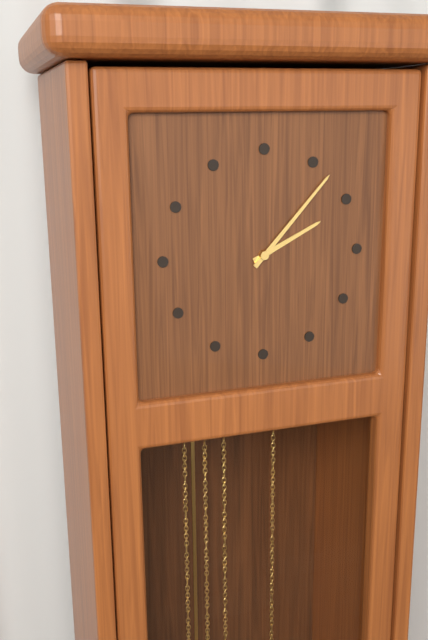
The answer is 2h07
